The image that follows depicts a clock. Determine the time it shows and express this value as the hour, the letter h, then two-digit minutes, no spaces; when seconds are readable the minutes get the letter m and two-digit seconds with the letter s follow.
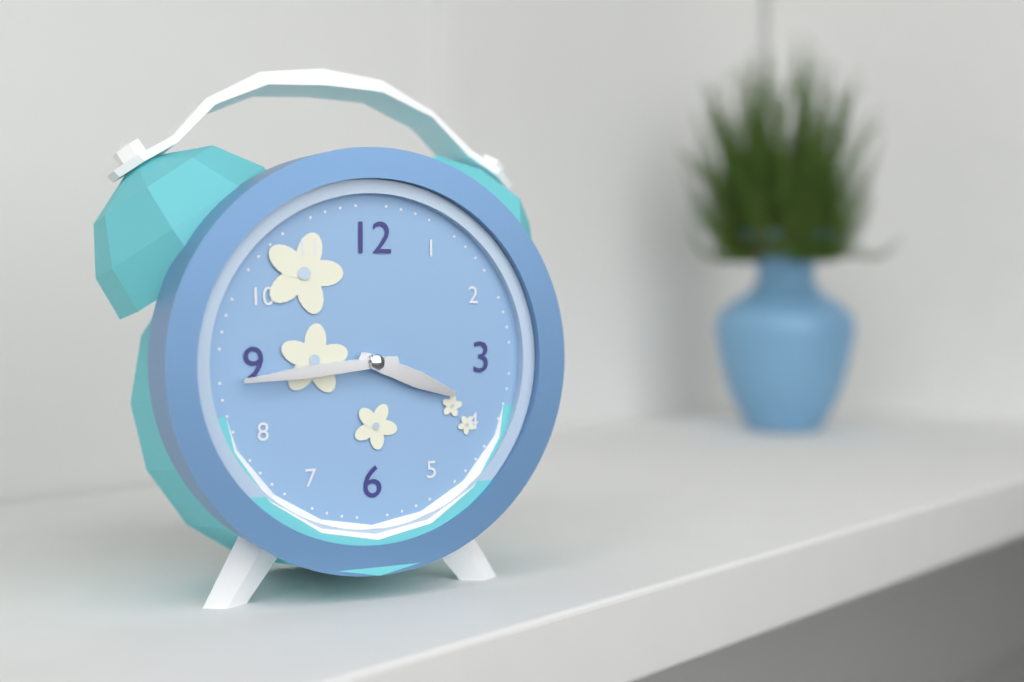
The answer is 3h44
